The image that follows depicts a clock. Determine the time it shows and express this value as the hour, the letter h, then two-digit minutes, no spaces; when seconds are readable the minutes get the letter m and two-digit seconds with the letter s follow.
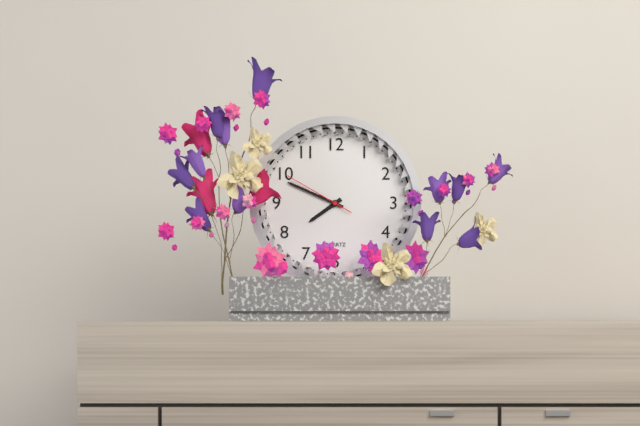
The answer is 7h49m50s
